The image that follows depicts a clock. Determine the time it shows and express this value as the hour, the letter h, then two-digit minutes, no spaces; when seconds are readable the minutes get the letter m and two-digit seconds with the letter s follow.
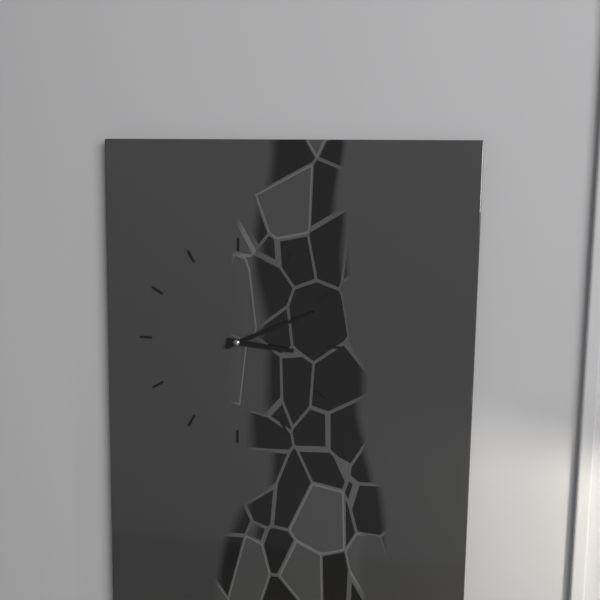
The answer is 3h11
